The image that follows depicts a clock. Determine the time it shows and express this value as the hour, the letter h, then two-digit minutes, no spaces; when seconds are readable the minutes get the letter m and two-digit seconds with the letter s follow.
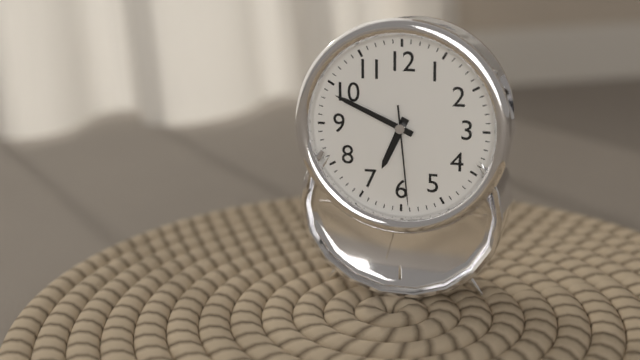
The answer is 6h49m29s
